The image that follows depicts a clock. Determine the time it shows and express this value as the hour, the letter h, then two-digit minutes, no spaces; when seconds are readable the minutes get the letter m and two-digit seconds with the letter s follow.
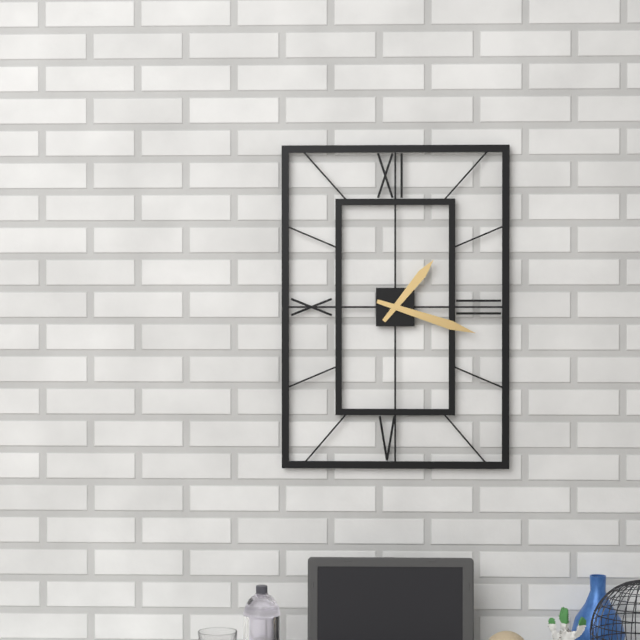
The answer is 1h18
